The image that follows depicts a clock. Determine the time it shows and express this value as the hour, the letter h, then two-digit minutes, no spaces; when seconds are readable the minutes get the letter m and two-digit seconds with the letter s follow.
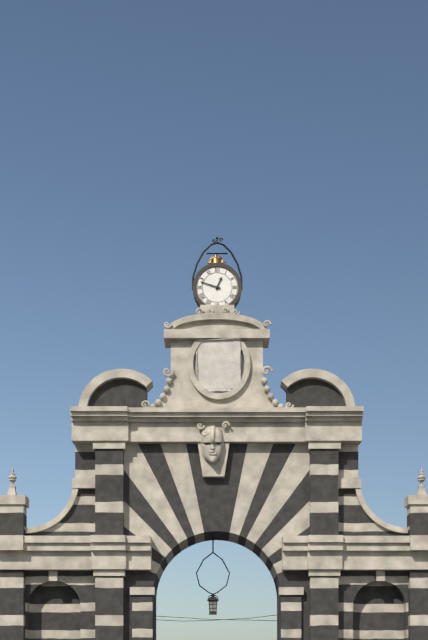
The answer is 12h48
